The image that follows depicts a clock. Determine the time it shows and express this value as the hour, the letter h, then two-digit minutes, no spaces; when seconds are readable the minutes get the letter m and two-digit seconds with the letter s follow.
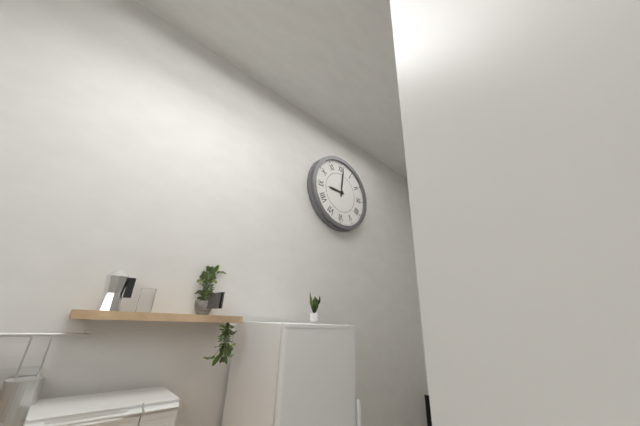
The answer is 9h01
